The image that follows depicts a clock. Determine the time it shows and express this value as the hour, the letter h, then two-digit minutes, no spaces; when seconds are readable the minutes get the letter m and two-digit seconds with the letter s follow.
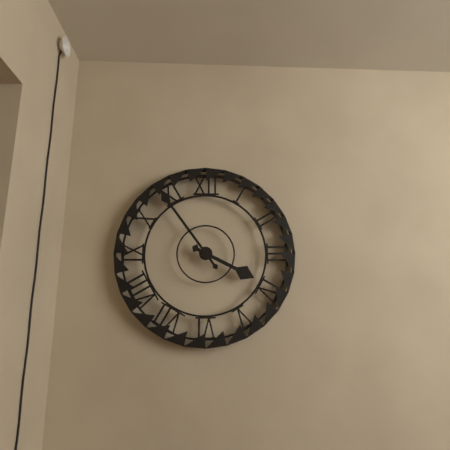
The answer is 3h54
